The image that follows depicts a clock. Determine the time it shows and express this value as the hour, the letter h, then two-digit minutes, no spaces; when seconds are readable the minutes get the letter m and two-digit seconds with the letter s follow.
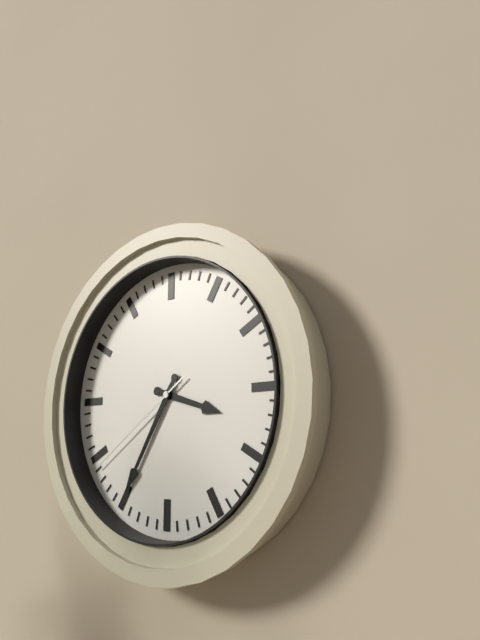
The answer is 3h35m39s
